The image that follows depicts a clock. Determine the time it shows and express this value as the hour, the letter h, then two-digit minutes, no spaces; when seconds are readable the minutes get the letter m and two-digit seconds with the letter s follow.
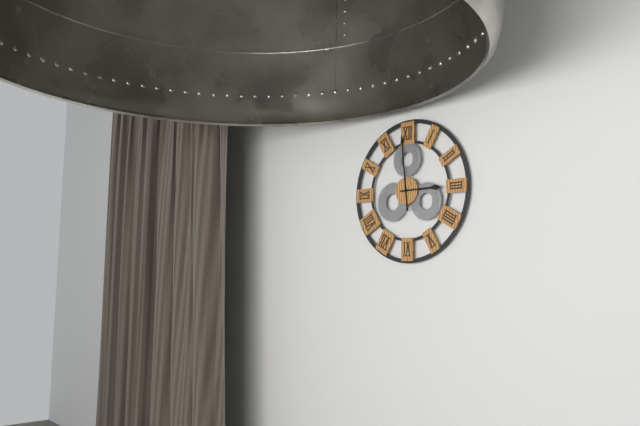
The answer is 2h59
